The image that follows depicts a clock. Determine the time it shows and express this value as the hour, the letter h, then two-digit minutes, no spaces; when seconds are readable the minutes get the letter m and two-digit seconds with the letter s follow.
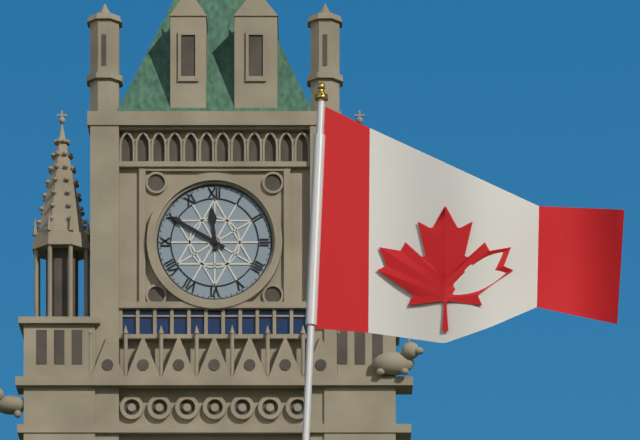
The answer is 11h50
